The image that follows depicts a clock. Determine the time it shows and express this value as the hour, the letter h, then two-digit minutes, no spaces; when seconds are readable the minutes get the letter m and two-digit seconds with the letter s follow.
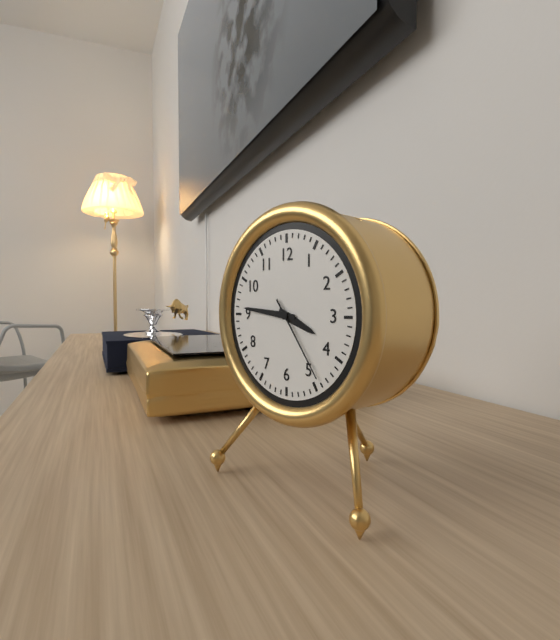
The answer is 3h46m24s
